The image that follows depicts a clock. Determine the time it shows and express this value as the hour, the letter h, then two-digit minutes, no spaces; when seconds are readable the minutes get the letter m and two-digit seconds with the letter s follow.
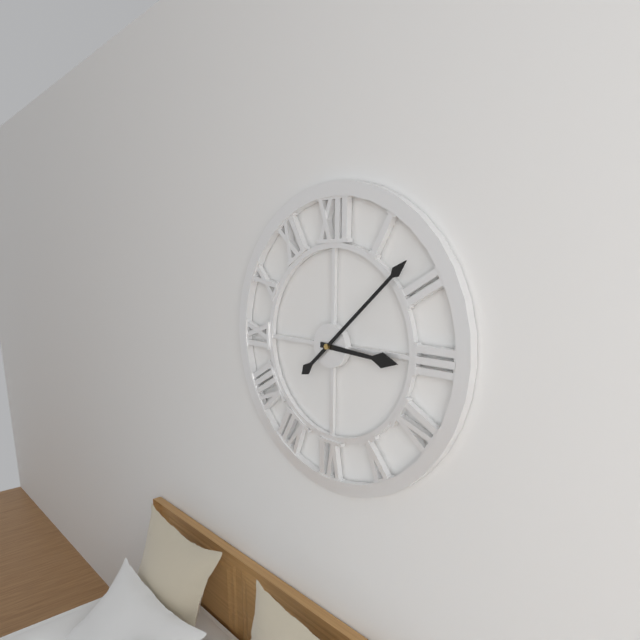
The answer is 3h08
